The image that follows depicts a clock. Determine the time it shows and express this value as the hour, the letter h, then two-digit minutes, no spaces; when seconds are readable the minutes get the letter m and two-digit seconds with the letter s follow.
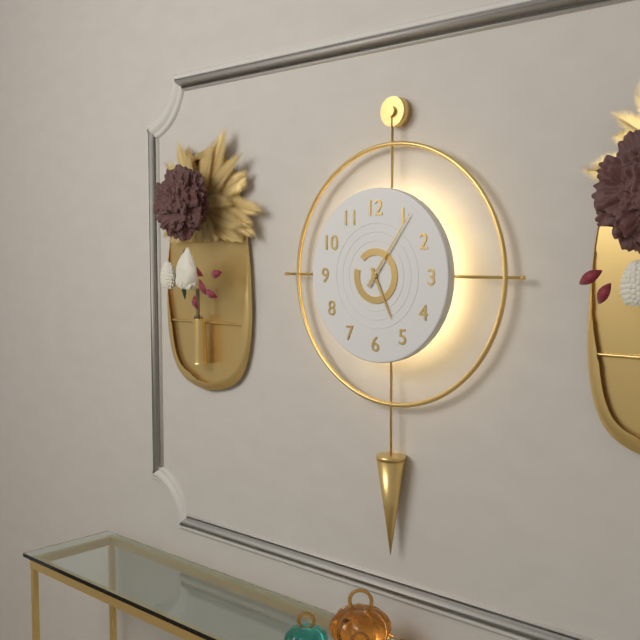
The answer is 5h06
